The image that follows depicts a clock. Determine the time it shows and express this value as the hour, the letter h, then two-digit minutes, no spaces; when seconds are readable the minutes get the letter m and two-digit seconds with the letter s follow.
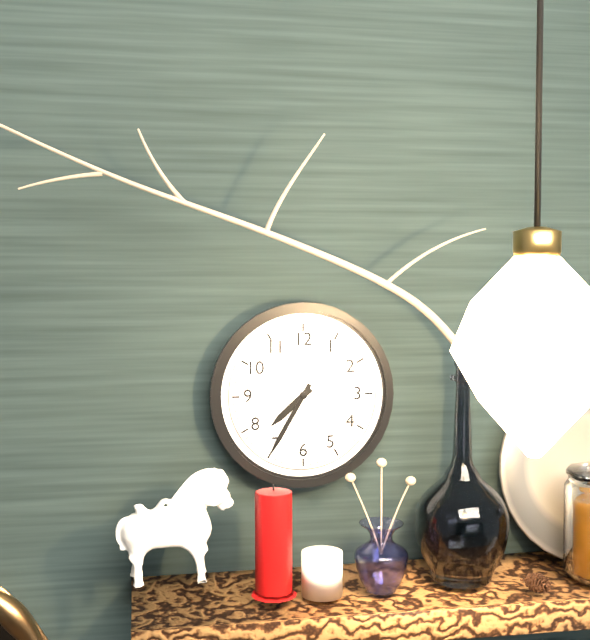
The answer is 7h35
